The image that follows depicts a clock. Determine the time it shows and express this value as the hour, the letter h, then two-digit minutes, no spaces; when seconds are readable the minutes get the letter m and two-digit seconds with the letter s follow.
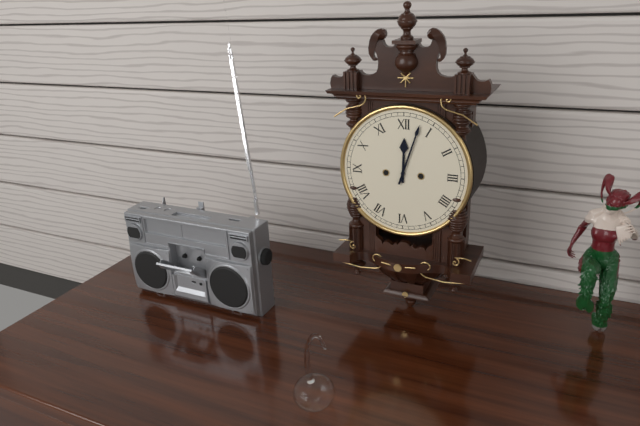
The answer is 12h03
